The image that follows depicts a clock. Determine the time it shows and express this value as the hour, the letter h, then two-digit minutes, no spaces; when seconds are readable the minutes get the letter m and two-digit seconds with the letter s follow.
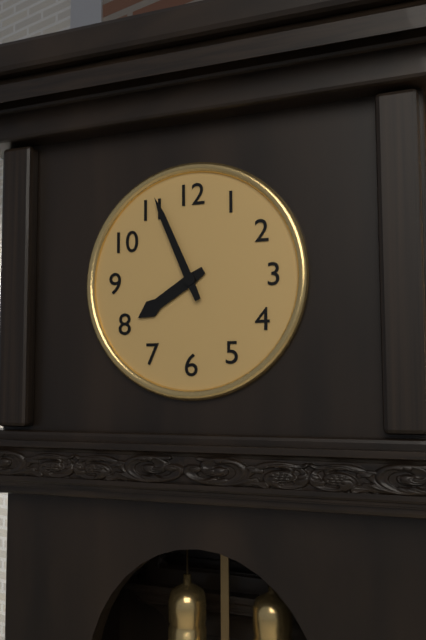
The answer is 7h56
